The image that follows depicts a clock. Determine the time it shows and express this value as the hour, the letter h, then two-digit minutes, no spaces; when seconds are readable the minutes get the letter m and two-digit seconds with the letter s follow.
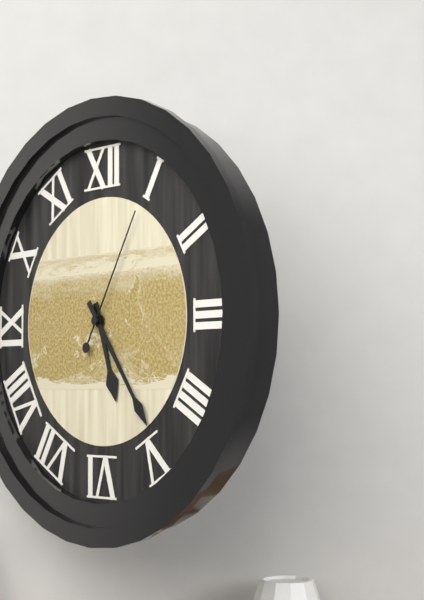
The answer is 5h24m05s
